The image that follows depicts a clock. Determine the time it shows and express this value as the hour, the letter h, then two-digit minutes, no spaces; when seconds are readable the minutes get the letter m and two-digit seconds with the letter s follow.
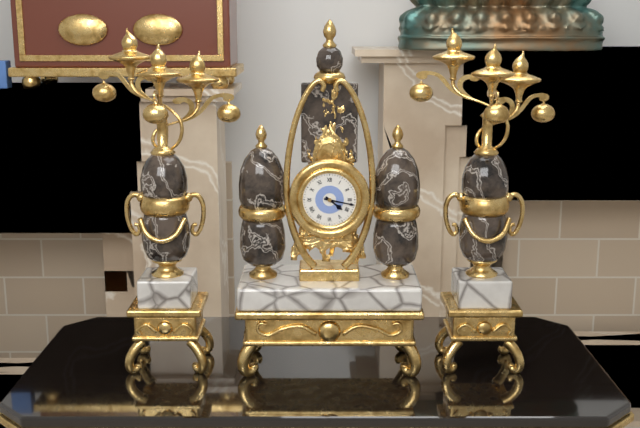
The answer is 4h17
